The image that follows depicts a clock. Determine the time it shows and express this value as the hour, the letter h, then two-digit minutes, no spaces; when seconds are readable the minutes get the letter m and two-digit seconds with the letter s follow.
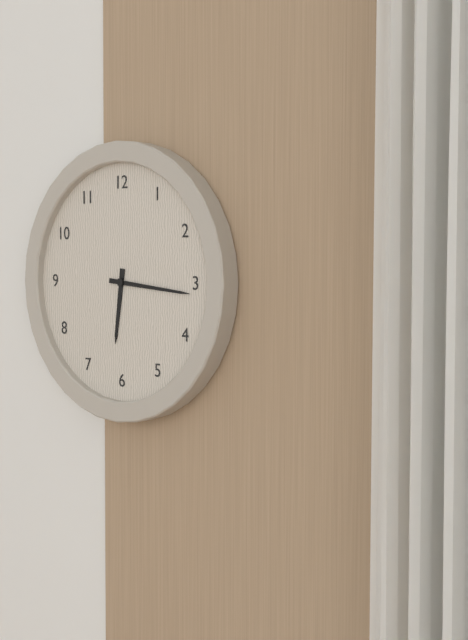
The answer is 6h16
